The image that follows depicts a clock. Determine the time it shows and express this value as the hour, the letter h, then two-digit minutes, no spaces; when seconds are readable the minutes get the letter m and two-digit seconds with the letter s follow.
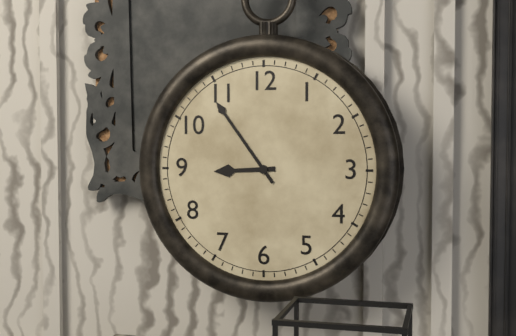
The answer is 8h54
